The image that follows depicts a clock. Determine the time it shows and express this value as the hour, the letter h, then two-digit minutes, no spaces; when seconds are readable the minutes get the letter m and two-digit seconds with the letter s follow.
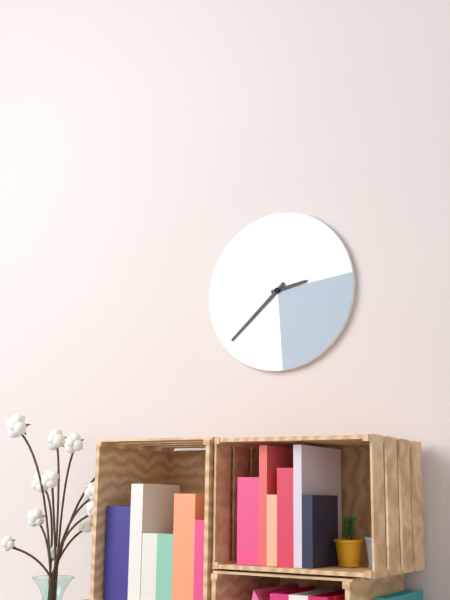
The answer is 2h38
